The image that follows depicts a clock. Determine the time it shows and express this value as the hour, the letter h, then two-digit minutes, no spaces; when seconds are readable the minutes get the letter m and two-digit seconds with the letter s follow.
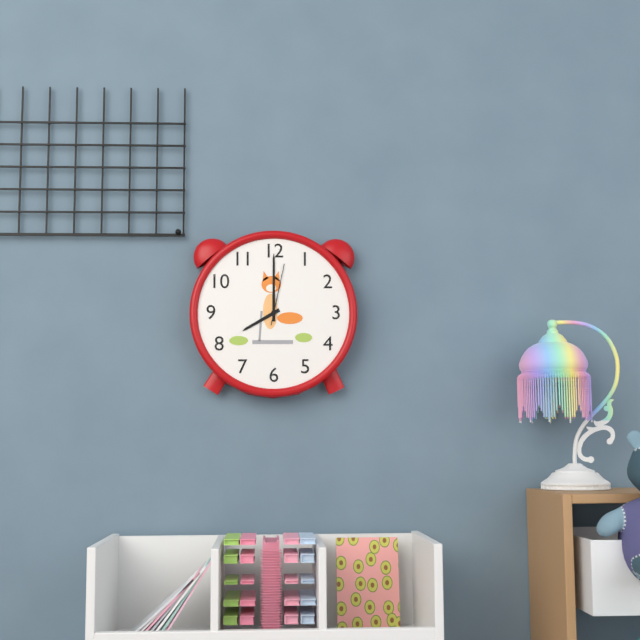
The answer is 8h00m02s
